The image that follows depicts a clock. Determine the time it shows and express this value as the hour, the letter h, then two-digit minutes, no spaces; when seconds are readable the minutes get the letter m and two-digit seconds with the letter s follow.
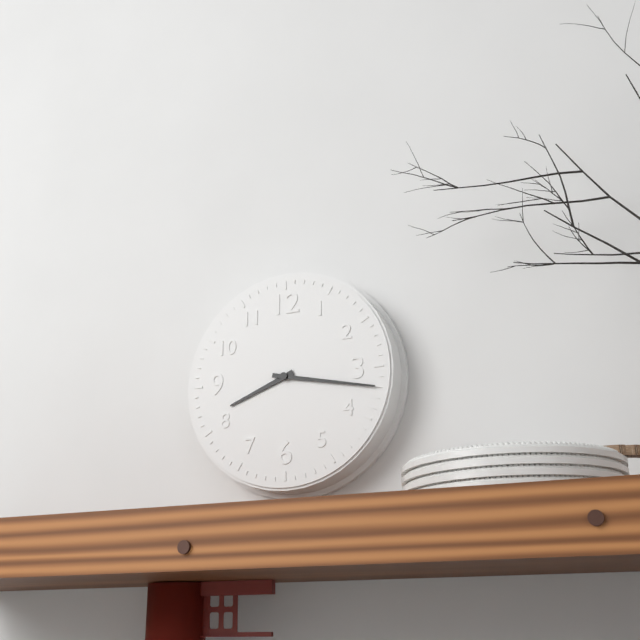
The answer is 8h17
